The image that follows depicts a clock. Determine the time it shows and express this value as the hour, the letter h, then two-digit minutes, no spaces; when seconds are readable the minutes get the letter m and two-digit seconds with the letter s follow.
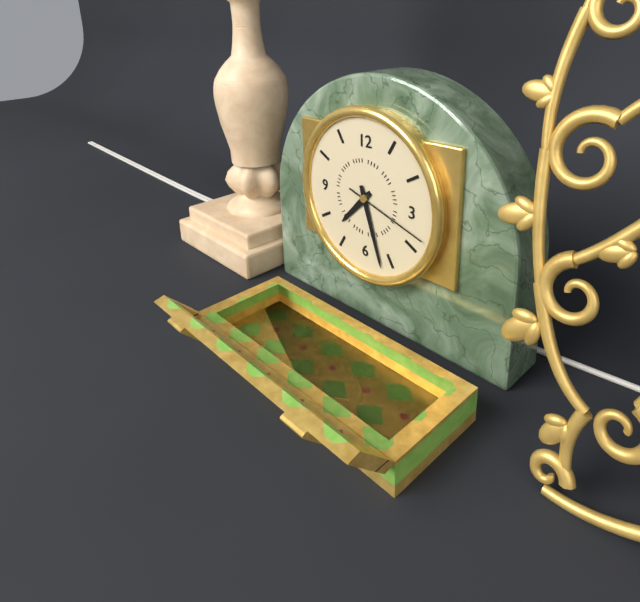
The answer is 7h27m18s
